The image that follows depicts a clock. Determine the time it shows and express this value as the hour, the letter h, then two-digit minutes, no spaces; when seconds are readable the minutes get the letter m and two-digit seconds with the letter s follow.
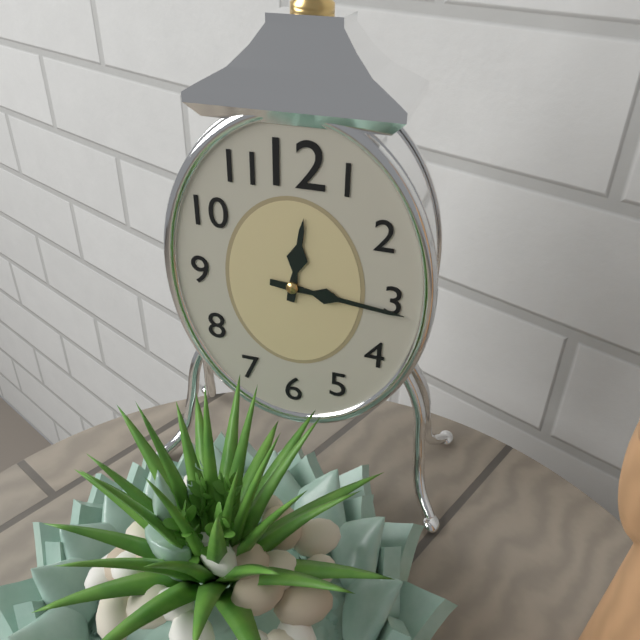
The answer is 12h16
